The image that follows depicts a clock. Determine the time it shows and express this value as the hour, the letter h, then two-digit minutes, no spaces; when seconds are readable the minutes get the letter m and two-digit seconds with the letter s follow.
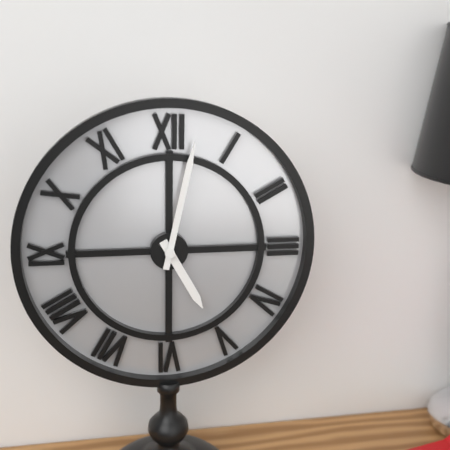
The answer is 5h02
